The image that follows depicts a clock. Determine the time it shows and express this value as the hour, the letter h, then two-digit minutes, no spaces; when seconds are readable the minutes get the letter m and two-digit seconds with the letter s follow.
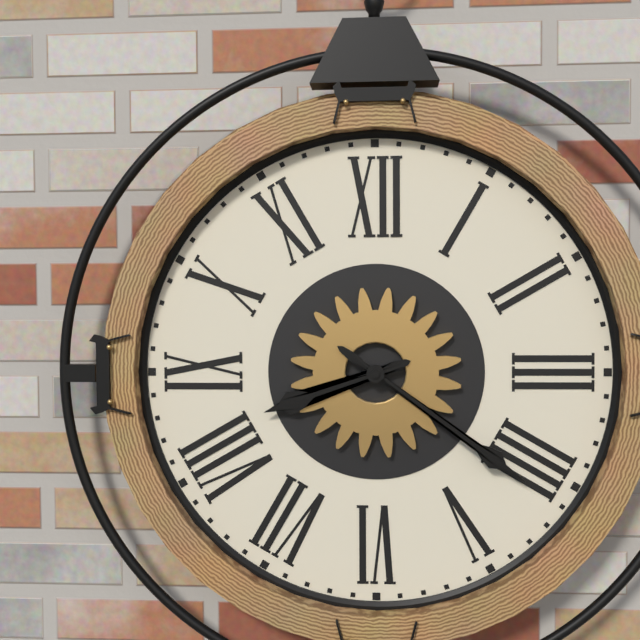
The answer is 8h21
